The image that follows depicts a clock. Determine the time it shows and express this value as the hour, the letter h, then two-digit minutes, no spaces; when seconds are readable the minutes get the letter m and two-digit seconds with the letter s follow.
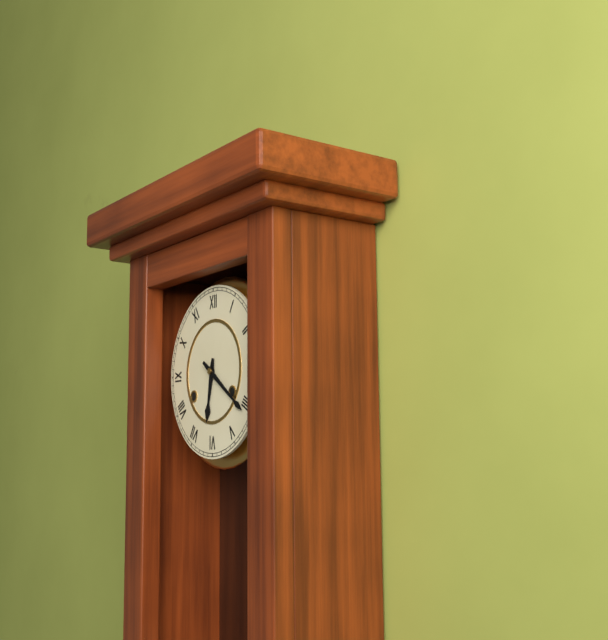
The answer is 6h21
